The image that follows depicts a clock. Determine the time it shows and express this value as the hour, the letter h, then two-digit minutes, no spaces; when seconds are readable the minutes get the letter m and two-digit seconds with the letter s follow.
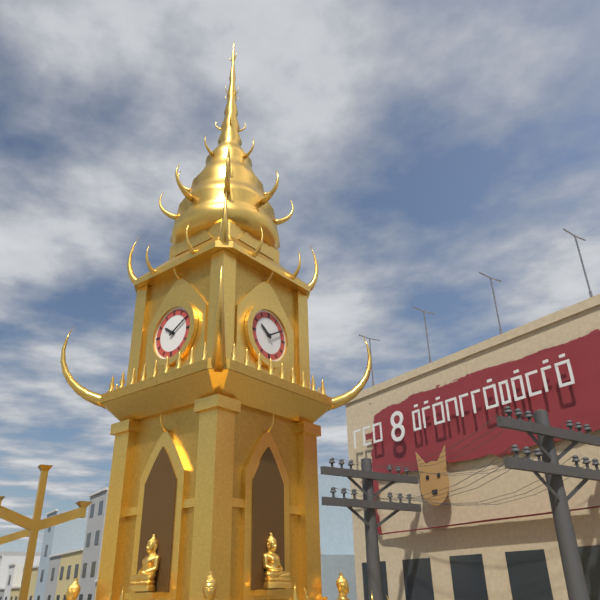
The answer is 10h10
